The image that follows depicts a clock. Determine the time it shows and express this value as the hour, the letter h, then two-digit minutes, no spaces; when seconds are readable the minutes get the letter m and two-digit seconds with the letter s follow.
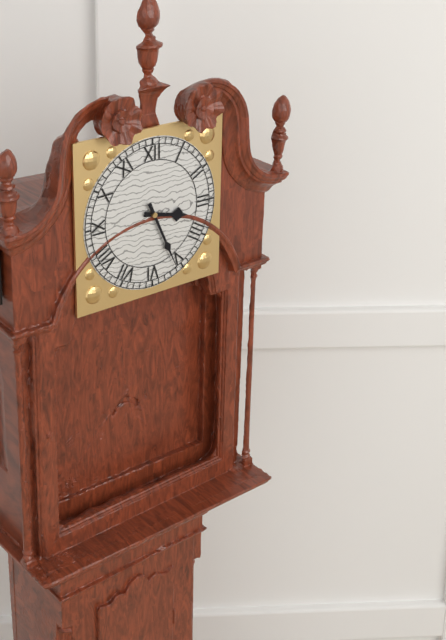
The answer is 3h26
